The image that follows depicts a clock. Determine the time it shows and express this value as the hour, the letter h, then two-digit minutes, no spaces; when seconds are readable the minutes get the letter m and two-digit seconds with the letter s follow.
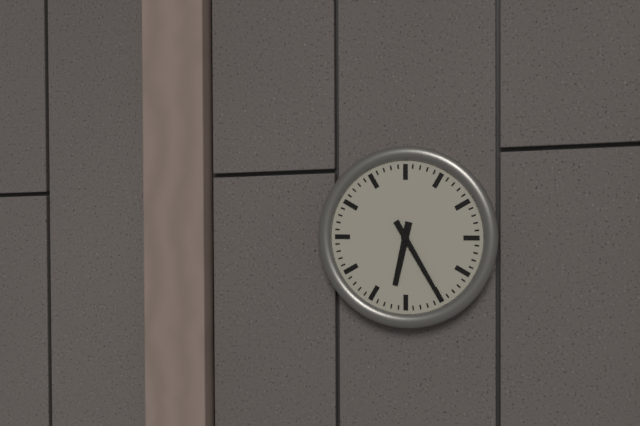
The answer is 6h25
